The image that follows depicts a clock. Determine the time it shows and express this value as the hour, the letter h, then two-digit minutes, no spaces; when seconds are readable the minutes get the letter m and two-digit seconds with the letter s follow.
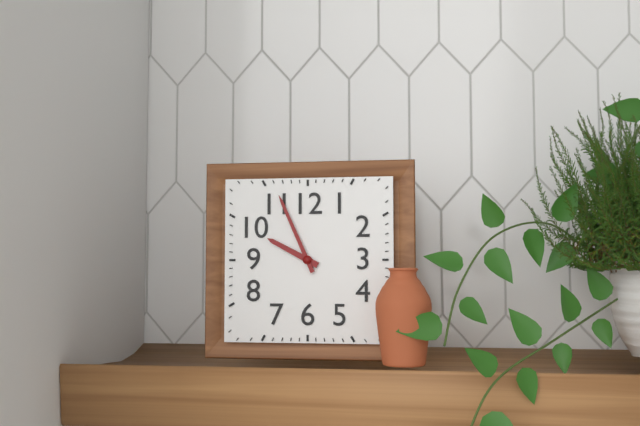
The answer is 9h56
